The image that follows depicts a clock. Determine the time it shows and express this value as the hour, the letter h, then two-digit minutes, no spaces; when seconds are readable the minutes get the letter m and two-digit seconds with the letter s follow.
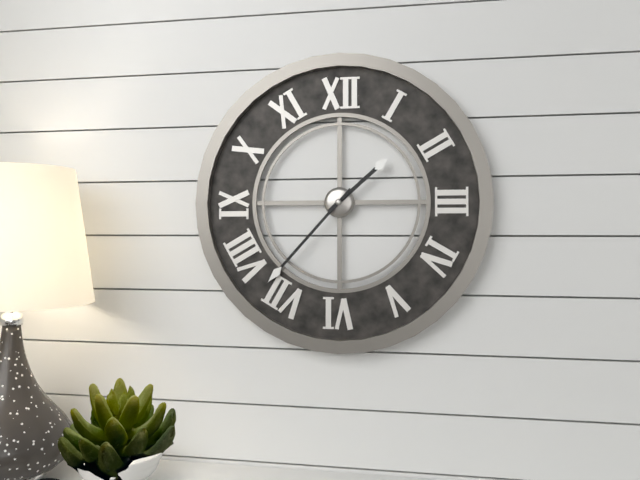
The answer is 1h37
